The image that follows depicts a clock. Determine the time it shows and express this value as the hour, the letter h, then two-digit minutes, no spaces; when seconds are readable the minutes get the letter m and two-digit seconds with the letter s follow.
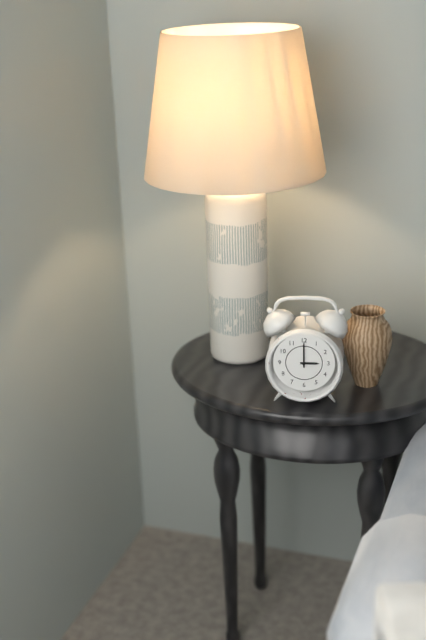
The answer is 3h00
